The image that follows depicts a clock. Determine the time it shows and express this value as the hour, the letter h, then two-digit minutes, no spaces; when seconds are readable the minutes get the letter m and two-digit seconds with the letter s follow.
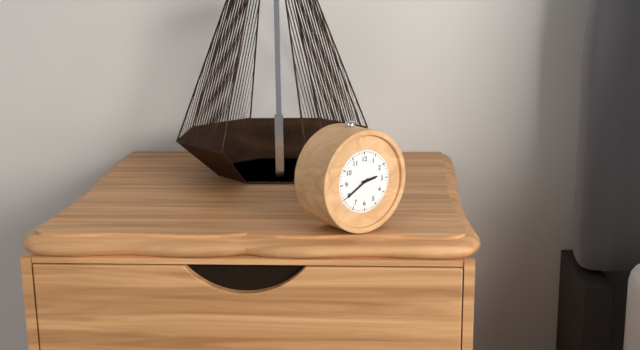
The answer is 2h40
